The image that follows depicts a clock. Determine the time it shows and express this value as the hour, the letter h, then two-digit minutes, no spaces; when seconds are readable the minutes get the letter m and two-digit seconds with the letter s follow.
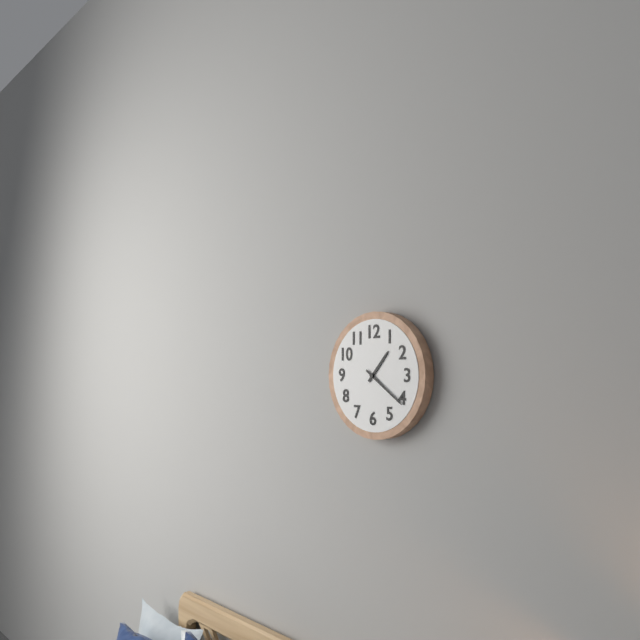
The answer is 1h21
